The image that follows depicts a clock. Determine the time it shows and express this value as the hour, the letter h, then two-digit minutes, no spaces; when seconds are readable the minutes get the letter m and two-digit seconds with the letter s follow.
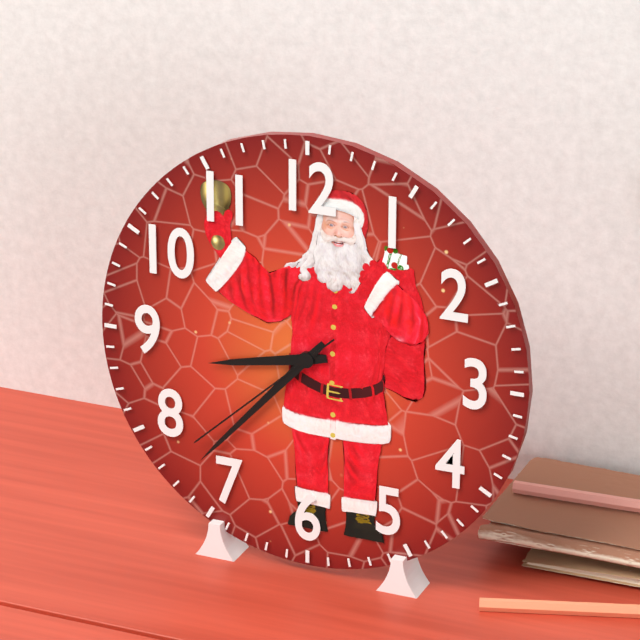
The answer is 8h37m38s
